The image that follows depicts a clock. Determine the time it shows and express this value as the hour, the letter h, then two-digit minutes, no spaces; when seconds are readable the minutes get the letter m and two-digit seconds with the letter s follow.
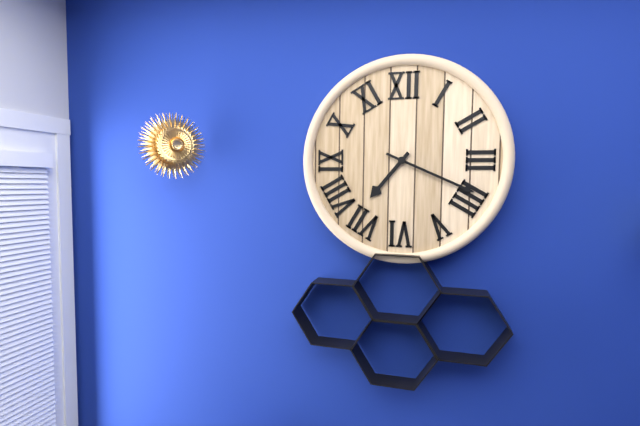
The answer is 7h19
